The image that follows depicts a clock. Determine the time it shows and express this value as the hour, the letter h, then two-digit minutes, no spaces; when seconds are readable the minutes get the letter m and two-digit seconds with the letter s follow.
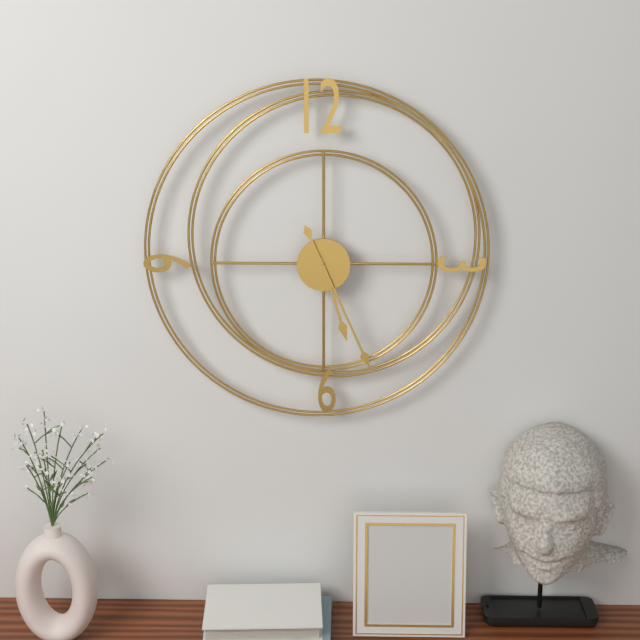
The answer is 5h26
